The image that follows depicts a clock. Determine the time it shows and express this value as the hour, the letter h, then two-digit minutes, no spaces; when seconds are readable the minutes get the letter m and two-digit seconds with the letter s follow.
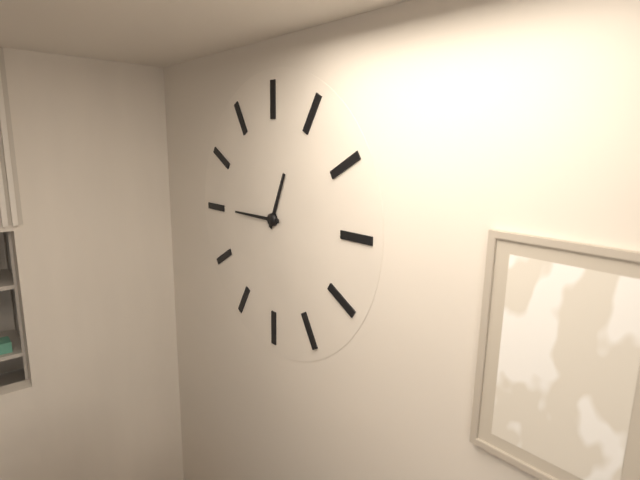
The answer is 12h45
